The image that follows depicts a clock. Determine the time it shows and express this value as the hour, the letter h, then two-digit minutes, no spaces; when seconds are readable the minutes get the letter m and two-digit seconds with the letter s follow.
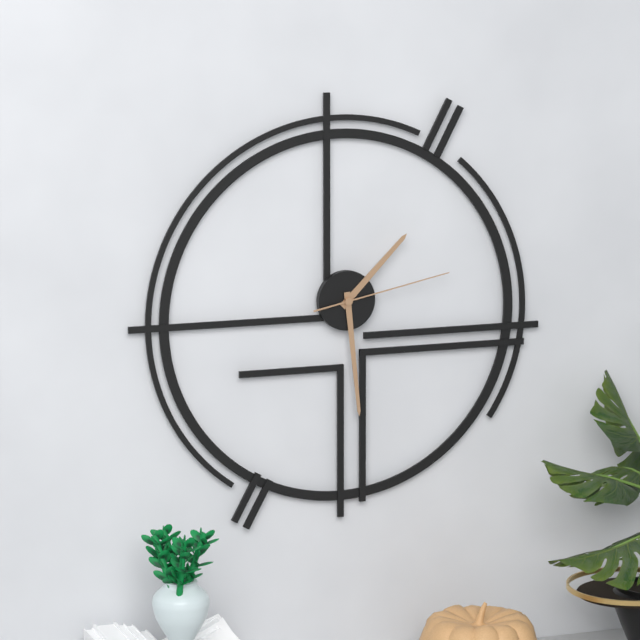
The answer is 1h29m13s
